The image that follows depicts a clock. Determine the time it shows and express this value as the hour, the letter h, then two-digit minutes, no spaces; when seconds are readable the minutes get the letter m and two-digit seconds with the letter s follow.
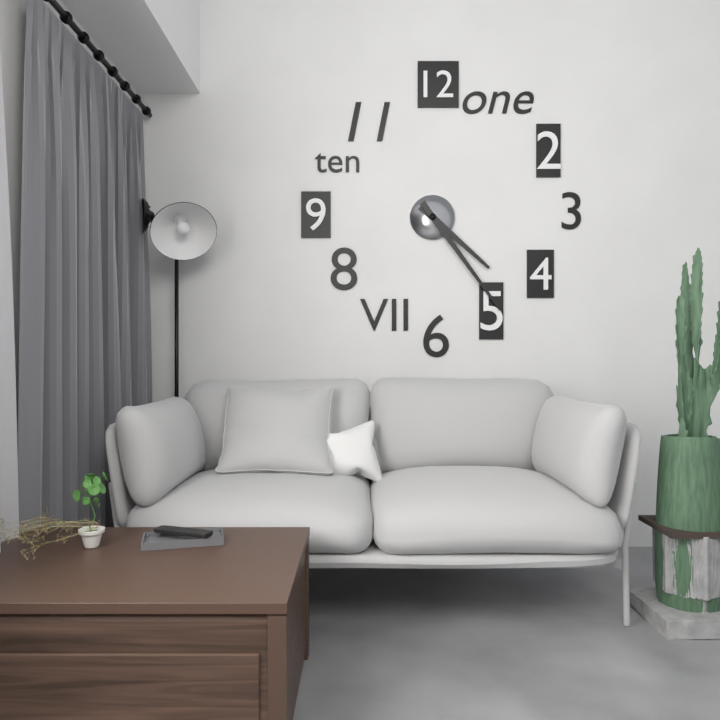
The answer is 4h24
